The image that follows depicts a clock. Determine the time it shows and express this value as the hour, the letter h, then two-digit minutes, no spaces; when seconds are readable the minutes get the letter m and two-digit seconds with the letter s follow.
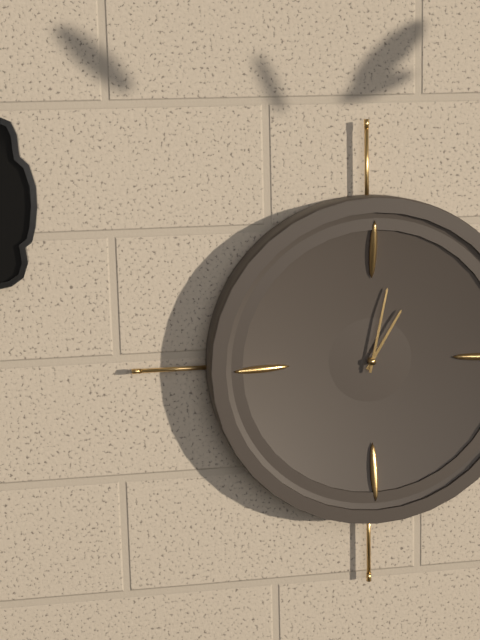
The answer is 1h02
